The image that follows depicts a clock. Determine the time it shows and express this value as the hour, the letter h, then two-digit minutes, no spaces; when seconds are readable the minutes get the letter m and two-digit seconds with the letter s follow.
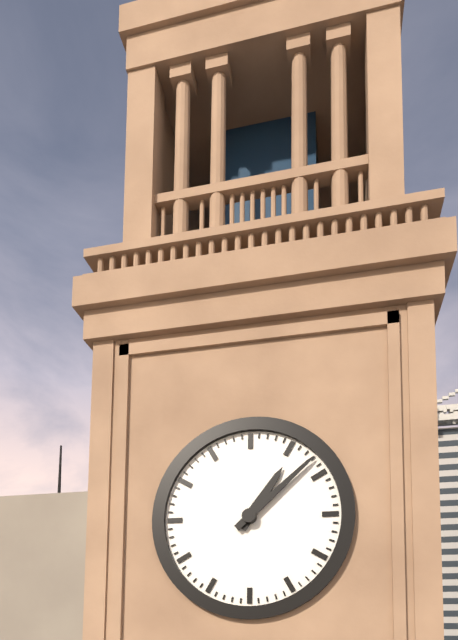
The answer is 1h08
